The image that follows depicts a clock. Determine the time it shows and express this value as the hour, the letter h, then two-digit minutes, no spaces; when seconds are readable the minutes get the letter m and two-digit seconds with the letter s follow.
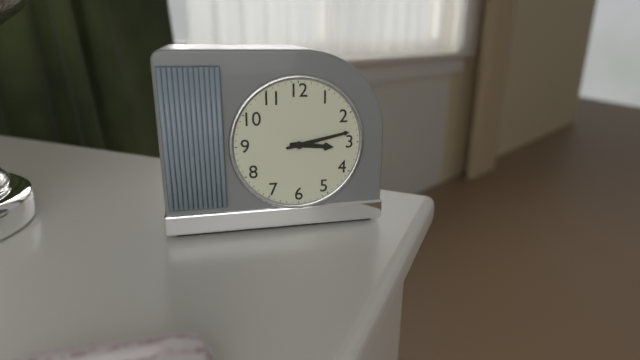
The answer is 3h13
